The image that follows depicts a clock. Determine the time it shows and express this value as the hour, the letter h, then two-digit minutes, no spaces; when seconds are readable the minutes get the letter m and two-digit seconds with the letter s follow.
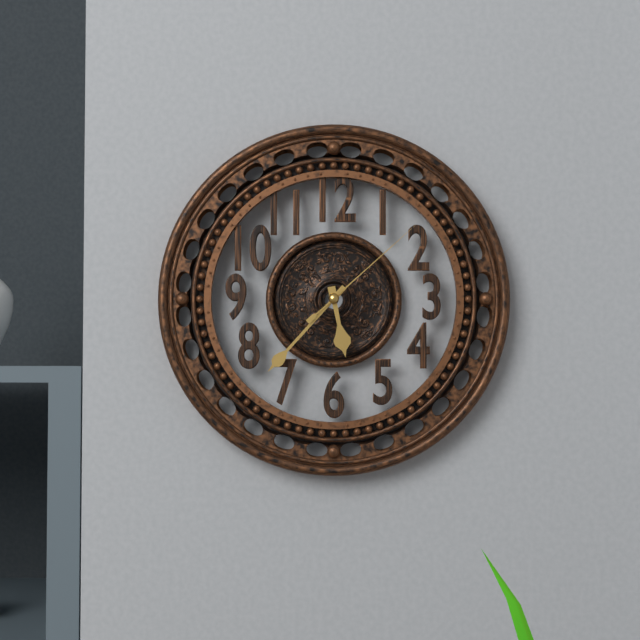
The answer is 5h37m08s
